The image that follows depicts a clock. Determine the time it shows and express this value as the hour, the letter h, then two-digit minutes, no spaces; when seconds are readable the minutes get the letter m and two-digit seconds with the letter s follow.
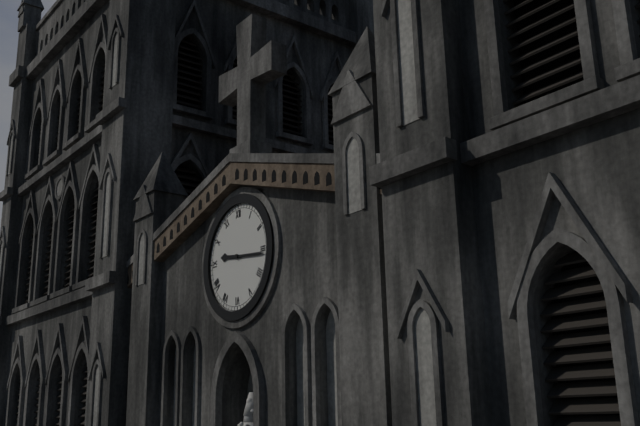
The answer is 9h16
